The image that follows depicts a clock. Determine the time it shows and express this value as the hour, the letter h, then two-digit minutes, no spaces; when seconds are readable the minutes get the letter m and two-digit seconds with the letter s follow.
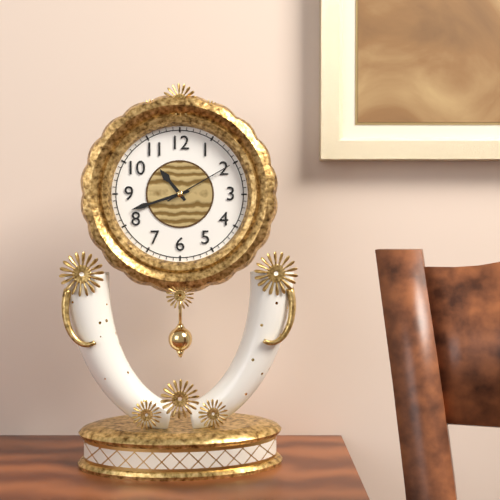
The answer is 10h42m10s
